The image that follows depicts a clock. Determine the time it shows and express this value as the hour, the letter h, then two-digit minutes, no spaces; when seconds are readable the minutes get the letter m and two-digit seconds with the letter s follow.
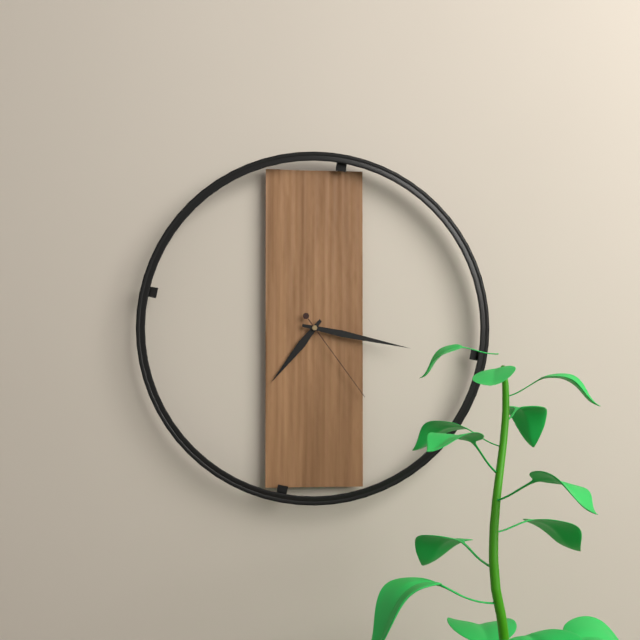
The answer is 7h17m24s
